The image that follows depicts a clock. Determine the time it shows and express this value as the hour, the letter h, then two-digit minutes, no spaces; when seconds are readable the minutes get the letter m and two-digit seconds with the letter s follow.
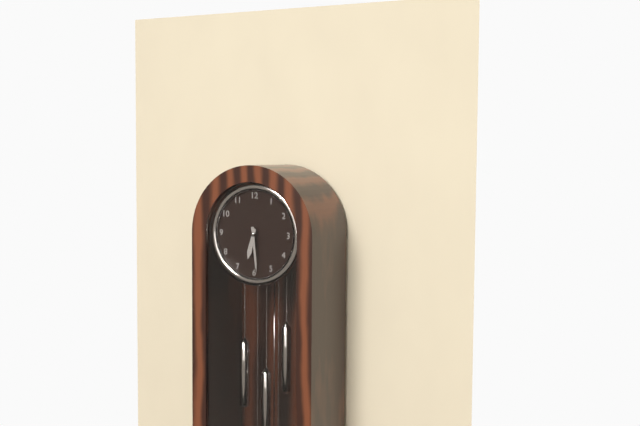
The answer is 6h29
